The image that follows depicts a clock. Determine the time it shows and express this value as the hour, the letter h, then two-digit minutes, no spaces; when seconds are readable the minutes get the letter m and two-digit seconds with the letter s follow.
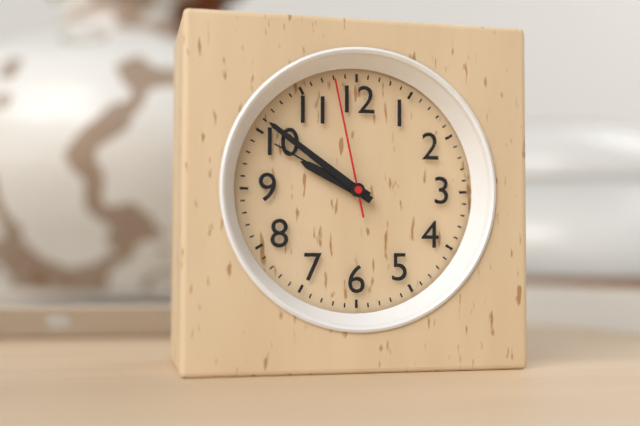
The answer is 9h51m58s
